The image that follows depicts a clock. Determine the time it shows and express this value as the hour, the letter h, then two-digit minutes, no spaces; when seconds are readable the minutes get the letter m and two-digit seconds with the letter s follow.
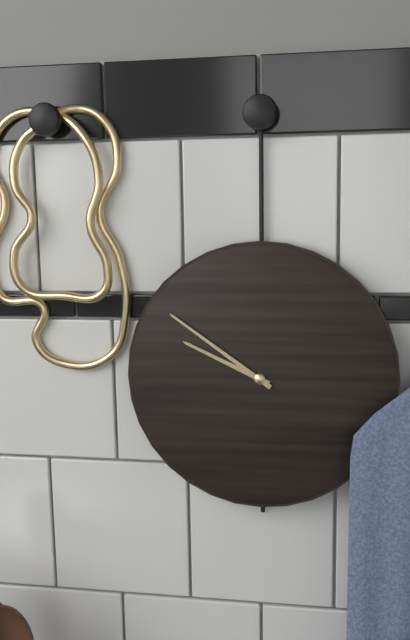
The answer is 9h51
